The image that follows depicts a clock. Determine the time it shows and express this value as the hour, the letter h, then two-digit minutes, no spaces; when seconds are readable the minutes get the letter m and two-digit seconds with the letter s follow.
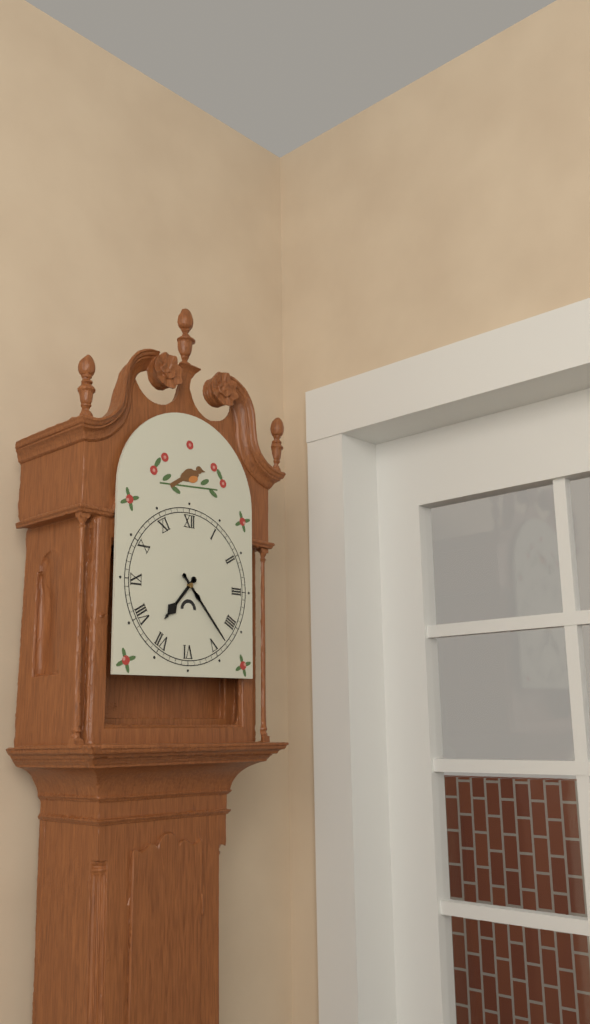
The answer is 7h23
